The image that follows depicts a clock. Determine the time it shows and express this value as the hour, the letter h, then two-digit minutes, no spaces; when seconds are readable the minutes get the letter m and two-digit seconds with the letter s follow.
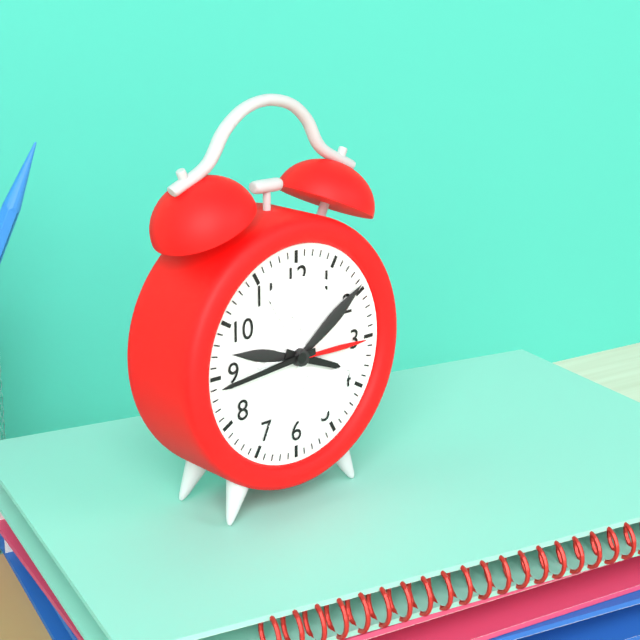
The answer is 3h44
